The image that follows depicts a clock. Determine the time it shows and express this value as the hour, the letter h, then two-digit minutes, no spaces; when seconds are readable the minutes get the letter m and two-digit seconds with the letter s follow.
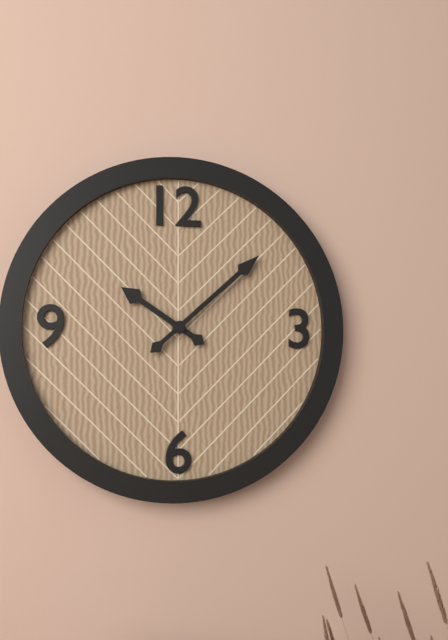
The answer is 10h08
